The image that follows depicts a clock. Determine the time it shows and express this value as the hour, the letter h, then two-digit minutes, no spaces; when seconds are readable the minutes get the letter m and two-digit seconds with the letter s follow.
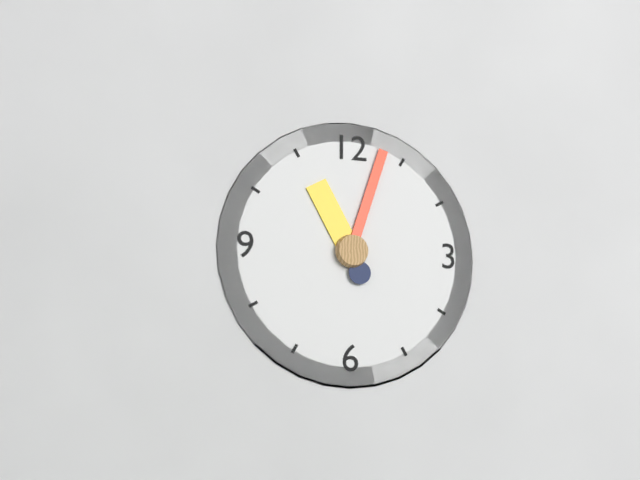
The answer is 11h03
